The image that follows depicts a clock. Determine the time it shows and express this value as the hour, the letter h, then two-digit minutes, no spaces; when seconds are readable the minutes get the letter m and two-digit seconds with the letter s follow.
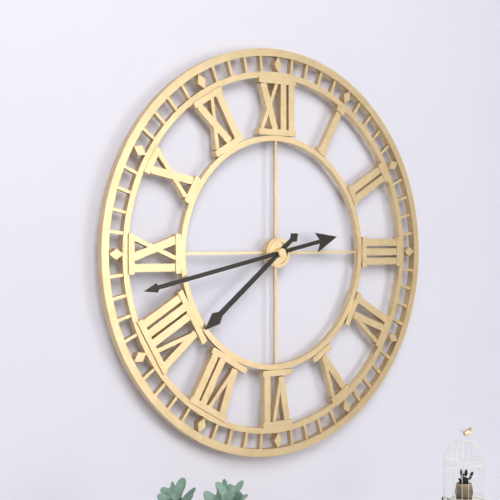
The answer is 7h43
